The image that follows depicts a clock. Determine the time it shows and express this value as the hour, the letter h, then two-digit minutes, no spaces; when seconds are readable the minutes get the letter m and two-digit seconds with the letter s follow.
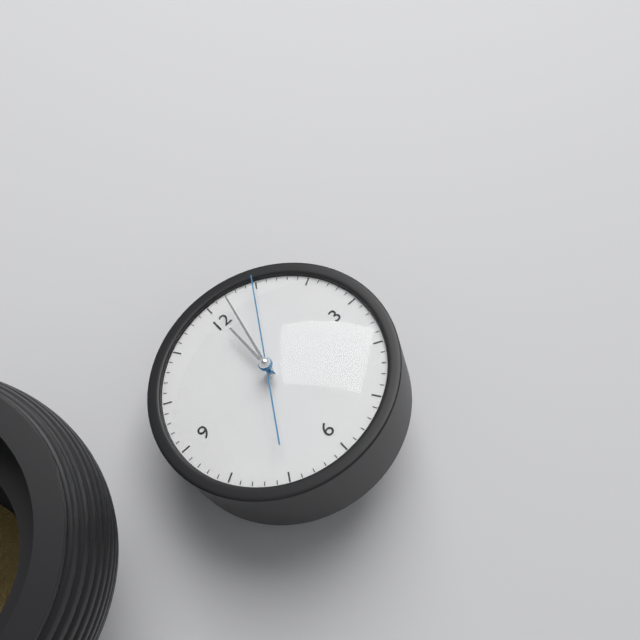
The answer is 12h02m05s
